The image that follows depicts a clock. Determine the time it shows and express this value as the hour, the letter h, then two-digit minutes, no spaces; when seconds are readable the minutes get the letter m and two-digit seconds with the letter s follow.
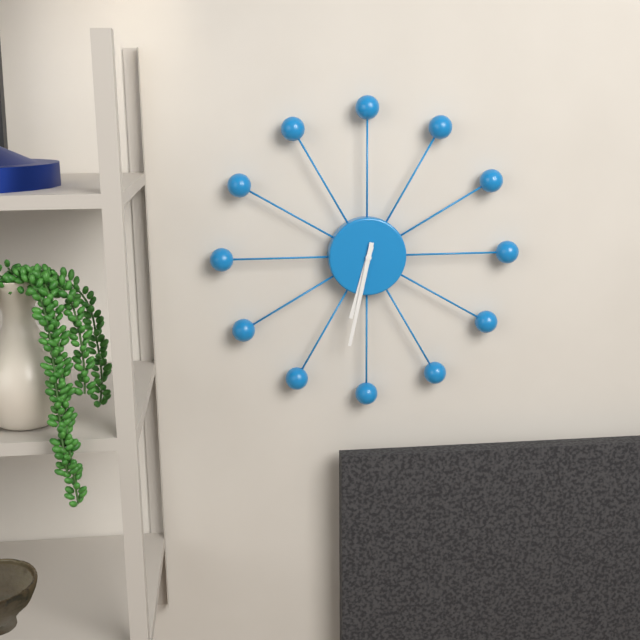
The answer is 6h32
